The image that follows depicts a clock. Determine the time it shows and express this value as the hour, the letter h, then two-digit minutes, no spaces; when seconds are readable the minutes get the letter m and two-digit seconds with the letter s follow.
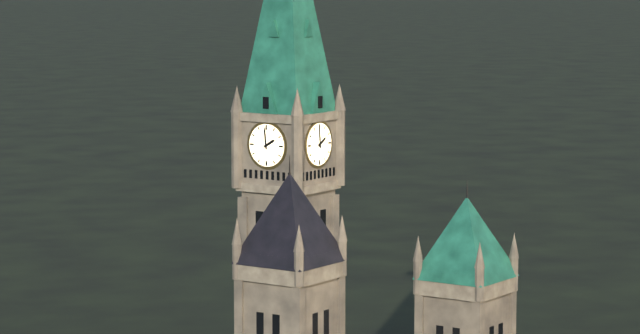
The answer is 1h59
